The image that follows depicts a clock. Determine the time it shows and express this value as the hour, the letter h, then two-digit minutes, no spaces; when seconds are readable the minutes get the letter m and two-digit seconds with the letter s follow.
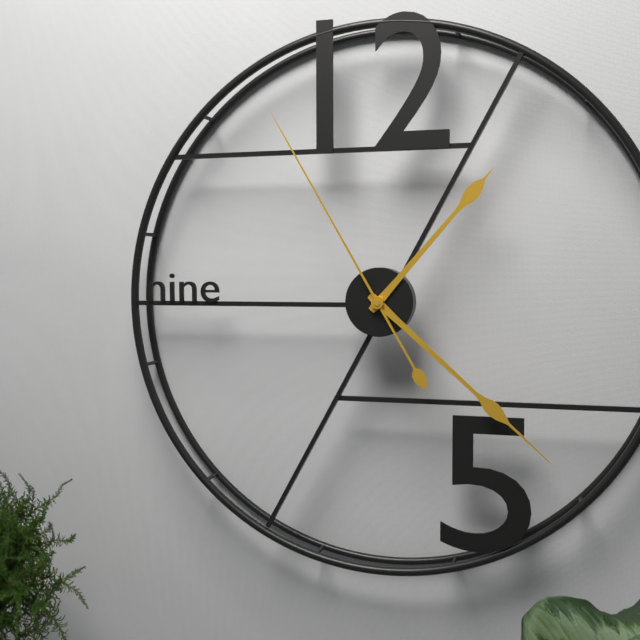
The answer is 1h22m55s
